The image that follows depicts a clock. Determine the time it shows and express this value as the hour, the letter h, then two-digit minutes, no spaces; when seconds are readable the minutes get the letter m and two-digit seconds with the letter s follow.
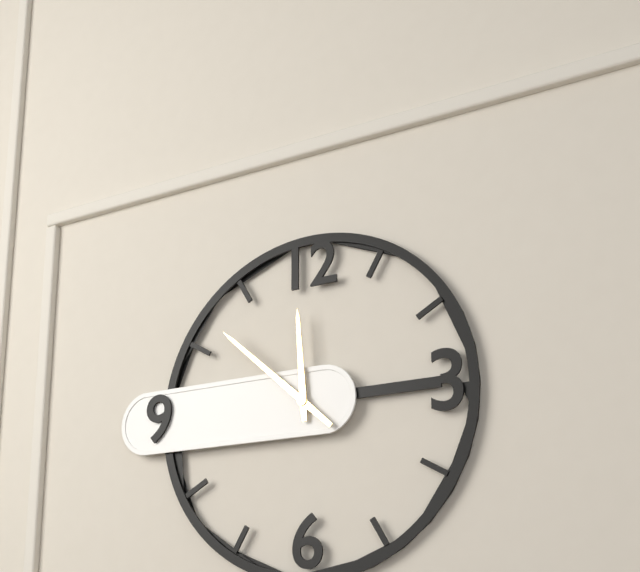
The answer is 11h52
